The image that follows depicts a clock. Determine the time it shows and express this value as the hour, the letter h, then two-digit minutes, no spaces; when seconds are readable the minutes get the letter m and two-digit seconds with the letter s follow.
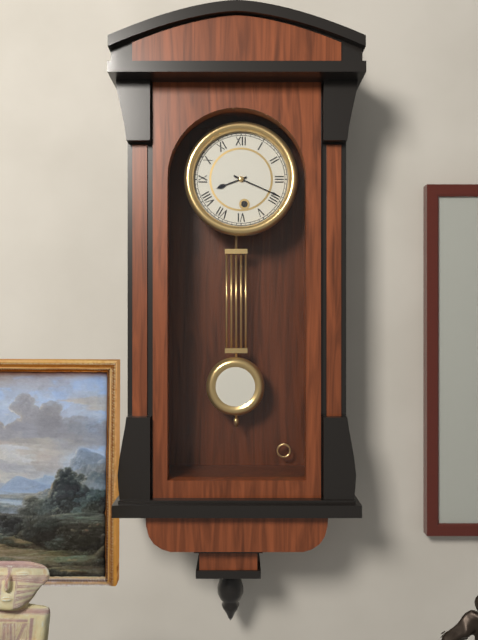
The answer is 8h19
